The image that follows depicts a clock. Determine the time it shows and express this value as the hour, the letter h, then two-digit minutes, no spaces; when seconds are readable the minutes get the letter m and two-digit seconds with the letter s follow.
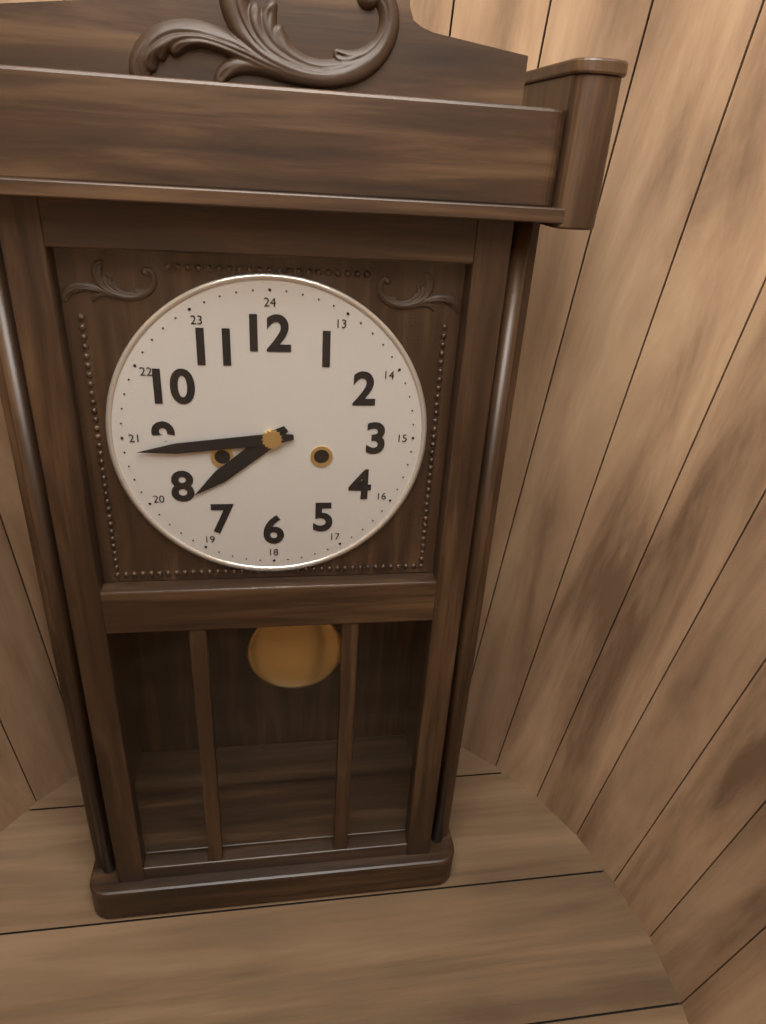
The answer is 7h44
